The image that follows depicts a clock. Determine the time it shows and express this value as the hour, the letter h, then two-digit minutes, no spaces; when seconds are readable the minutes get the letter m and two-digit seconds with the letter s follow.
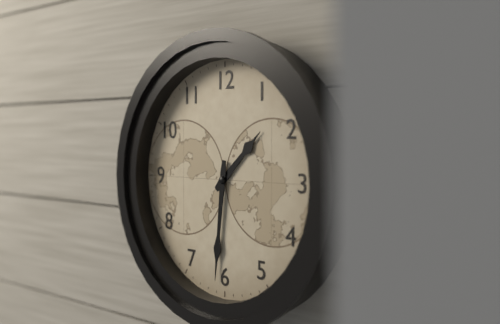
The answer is 1h31
